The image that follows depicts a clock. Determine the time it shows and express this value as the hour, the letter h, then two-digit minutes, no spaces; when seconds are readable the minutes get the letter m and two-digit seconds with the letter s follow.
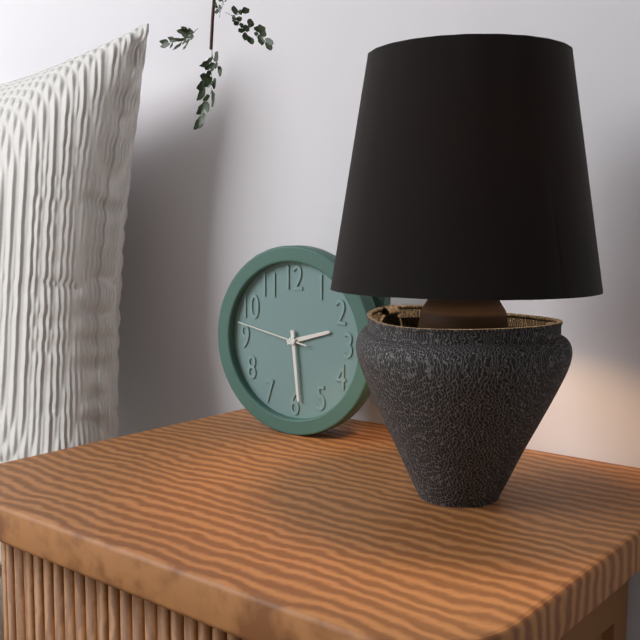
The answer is 2h29m47s
